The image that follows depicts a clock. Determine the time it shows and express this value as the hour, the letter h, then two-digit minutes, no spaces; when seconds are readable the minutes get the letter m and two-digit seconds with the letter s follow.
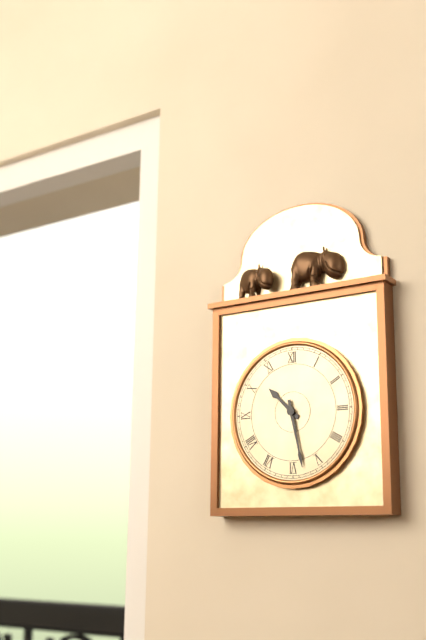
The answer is 10h28
